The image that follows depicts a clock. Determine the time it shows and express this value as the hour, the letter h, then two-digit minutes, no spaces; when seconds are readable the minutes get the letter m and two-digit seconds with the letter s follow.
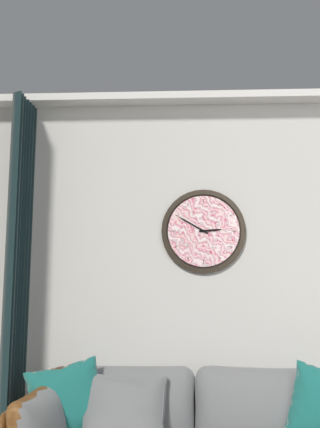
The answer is 2h50
